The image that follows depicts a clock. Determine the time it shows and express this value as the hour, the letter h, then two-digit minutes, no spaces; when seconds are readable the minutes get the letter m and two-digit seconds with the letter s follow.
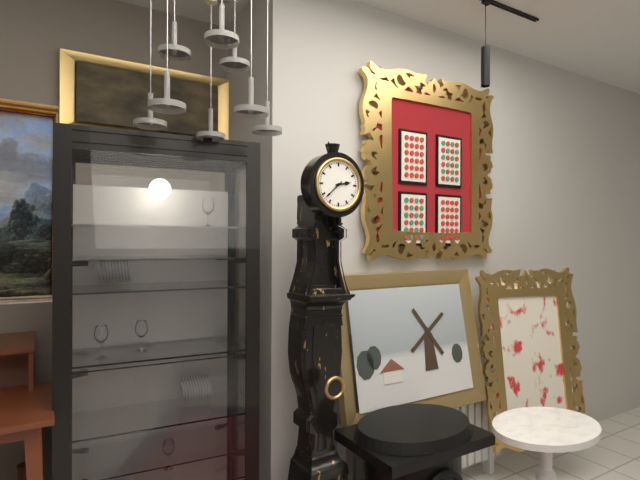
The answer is 2h38
